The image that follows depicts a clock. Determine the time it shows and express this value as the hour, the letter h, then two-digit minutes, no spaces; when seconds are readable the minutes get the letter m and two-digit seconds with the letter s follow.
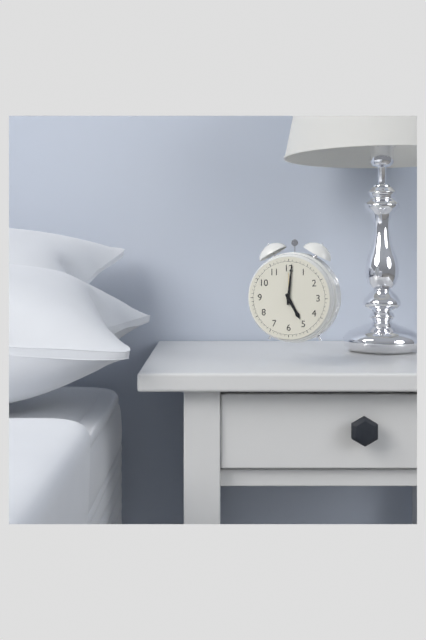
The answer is 5h01
